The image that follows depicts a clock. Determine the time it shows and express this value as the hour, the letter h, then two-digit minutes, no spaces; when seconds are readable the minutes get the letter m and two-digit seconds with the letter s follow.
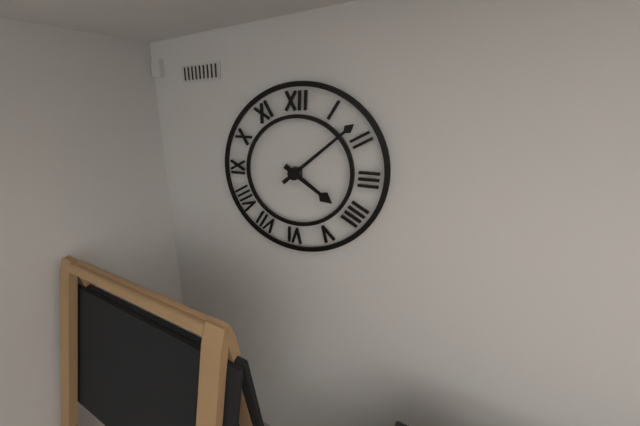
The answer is 4h08
